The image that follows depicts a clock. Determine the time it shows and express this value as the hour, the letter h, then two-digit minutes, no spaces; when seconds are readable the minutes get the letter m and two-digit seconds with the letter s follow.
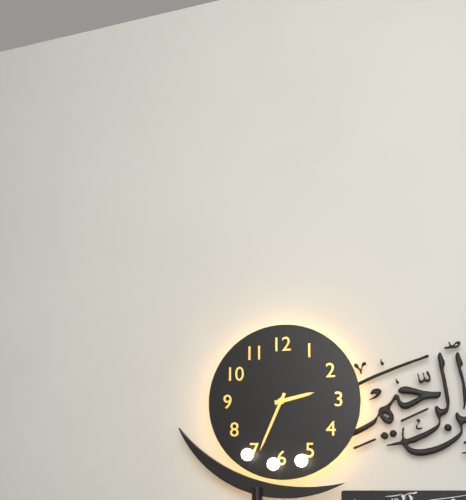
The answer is 2h34
